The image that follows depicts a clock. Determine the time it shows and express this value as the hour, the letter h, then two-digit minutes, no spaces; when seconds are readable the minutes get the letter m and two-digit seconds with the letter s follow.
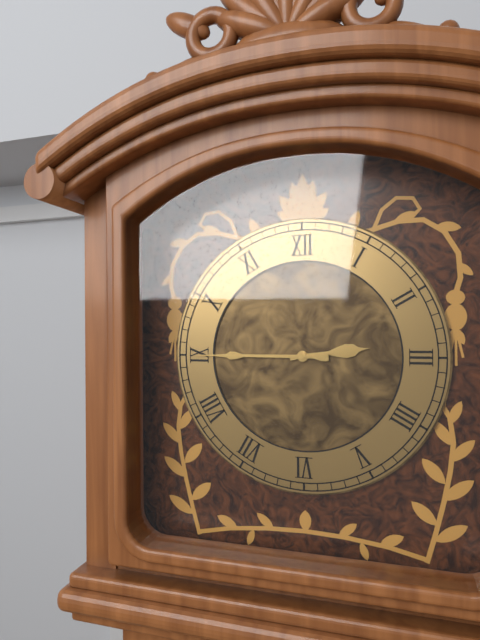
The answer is 2h45
